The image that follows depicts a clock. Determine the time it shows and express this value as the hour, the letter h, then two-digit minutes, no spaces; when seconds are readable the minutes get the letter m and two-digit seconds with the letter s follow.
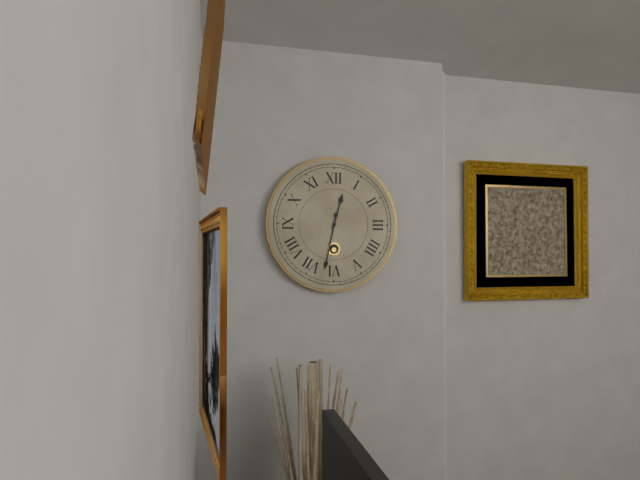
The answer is 12h32
